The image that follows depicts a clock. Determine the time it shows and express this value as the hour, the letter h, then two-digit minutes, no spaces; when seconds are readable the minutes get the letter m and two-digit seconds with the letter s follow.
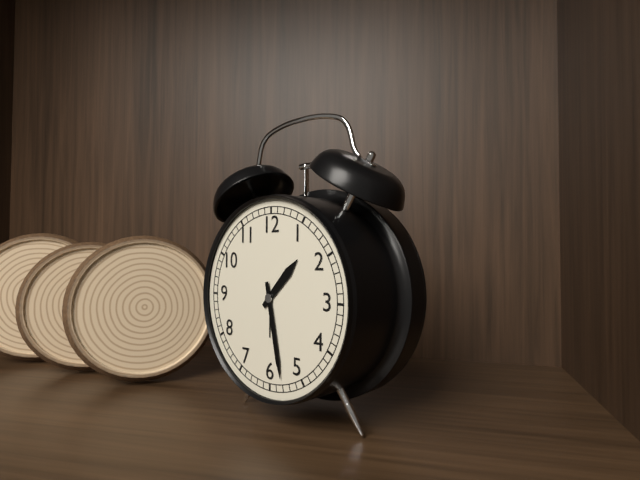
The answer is 1h28
